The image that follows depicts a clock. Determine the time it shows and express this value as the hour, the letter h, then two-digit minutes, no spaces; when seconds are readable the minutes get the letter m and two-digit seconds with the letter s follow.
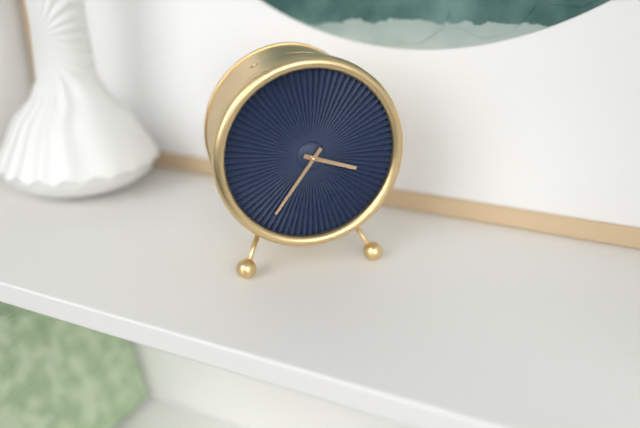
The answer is 3h36
